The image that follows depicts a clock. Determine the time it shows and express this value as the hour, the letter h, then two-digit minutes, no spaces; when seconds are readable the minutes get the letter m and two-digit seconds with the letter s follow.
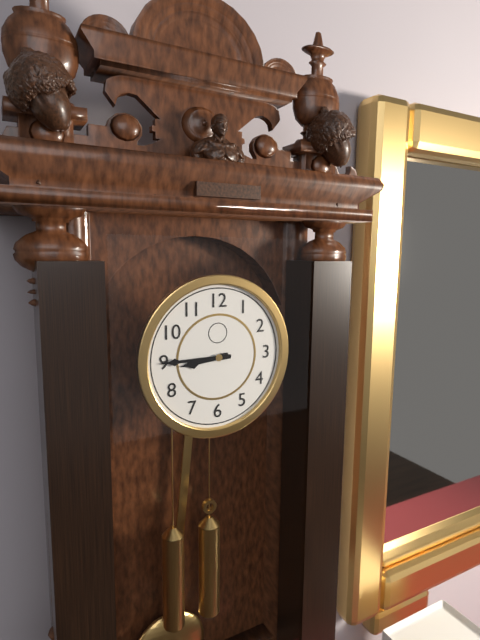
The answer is 8h45
